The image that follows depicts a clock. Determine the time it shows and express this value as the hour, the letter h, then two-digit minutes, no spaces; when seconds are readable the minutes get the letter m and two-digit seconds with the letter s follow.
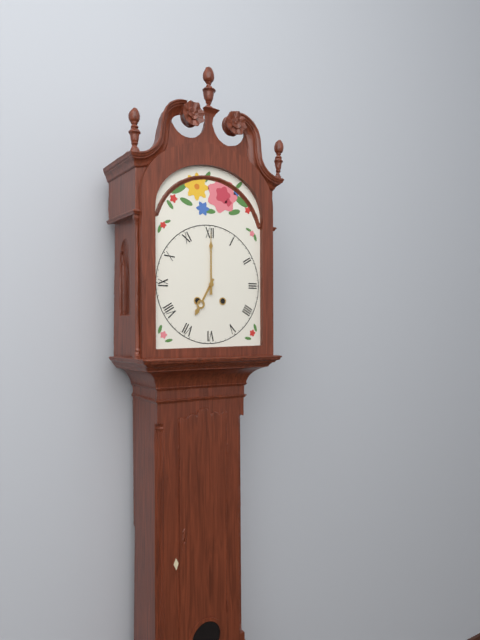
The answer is 7h00
